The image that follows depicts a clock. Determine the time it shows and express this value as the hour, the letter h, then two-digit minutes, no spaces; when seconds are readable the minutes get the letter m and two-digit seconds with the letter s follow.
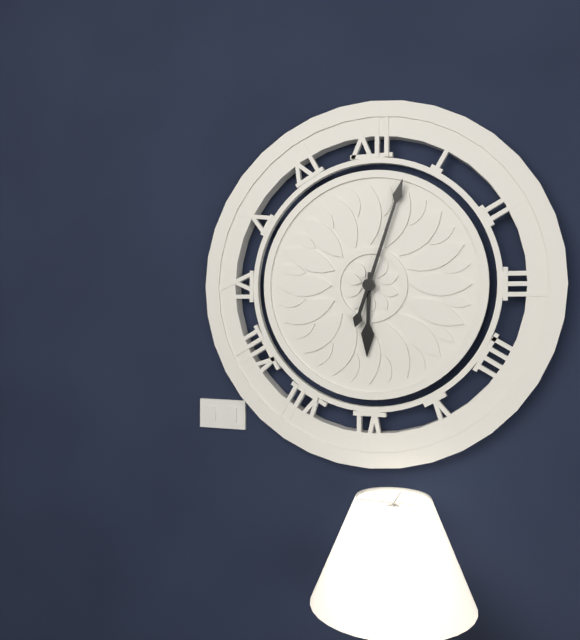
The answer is 6h03
